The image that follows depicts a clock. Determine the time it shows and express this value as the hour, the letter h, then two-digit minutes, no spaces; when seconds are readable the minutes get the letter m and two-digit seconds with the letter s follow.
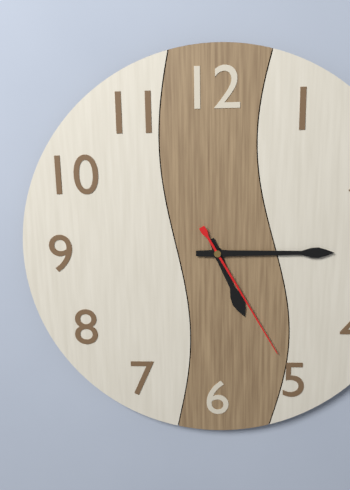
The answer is 5h15m25s
